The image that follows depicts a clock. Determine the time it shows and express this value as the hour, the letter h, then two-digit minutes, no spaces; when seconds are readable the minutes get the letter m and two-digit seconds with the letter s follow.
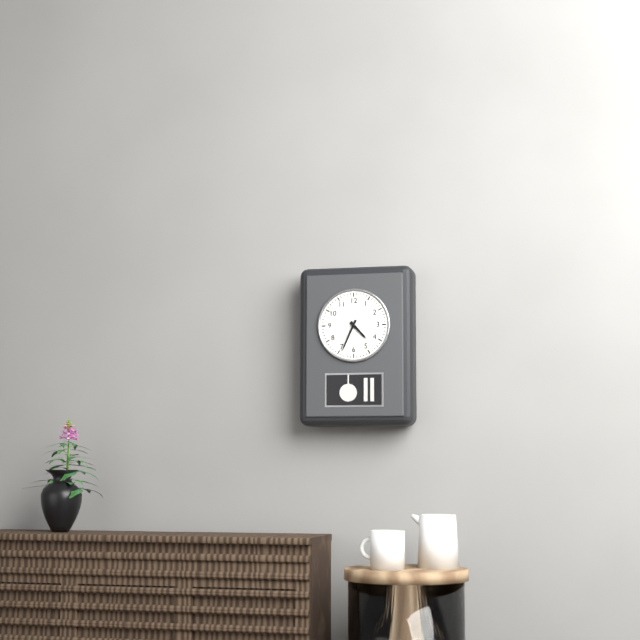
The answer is 4h34
